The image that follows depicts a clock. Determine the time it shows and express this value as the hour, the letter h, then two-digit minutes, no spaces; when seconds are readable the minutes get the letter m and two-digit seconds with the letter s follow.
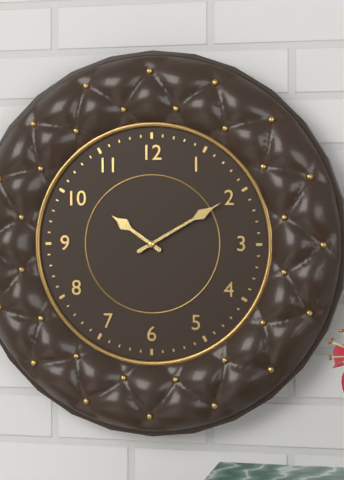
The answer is 10h10
